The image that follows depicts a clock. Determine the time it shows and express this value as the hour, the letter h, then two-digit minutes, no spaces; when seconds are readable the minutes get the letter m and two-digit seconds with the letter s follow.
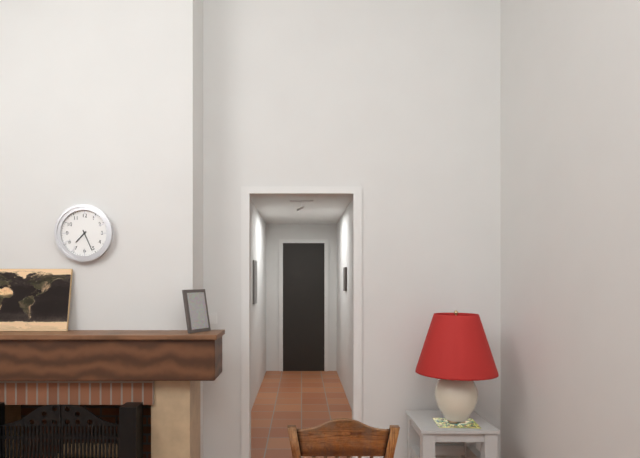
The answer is 7h26
